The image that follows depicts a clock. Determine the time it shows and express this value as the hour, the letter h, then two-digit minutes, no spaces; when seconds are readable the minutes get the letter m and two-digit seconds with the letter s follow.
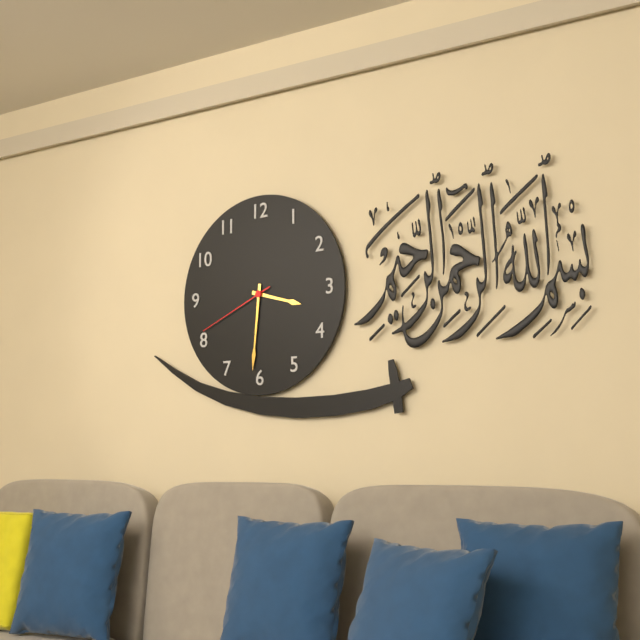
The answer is 3h31m41s
